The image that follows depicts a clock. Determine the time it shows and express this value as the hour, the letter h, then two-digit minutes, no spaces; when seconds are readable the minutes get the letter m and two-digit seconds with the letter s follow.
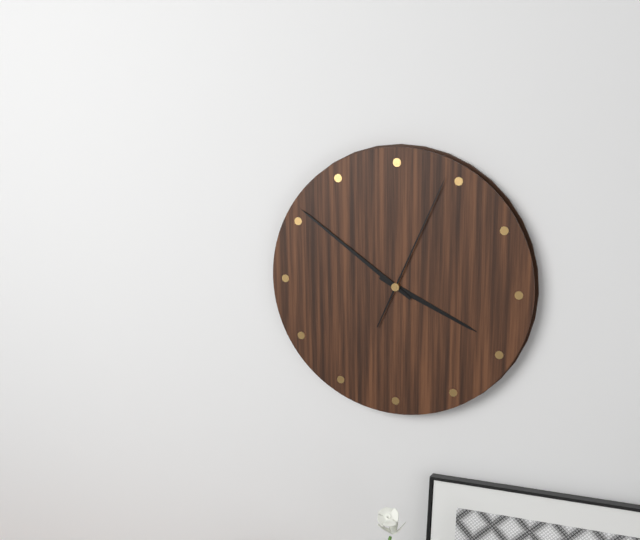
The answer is 3h51m04s
